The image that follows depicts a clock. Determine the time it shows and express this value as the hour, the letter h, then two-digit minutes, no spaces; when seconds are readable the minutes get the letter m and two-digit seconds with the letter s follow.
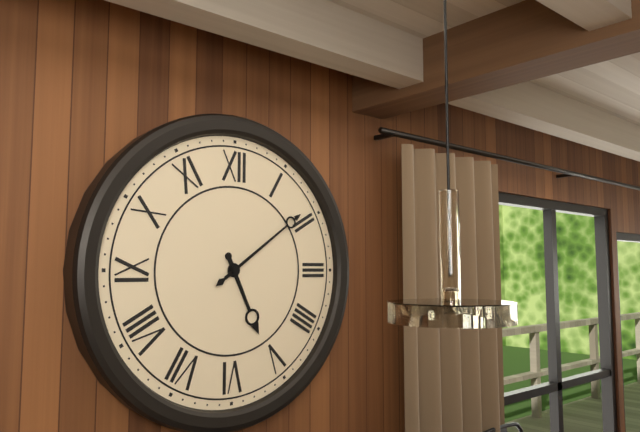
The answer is 5h09
